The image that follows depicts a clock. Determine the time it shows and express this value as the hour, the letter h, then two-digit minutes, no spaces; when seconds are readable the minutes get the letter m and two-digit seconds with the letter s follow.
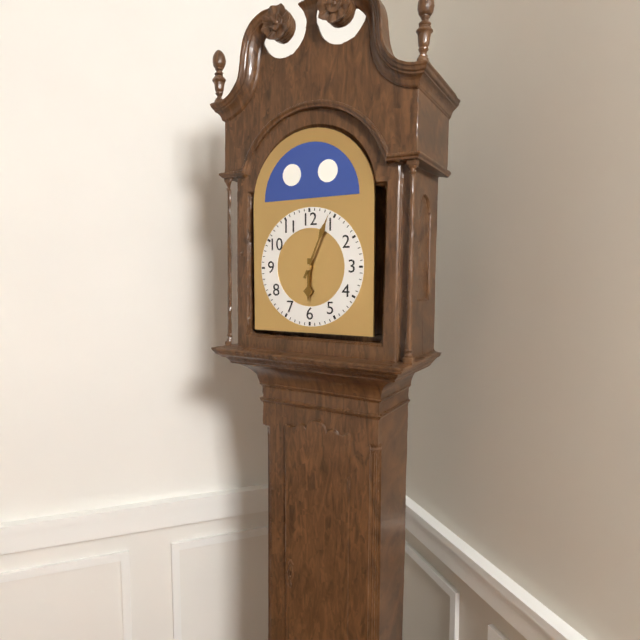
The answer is 6h04
